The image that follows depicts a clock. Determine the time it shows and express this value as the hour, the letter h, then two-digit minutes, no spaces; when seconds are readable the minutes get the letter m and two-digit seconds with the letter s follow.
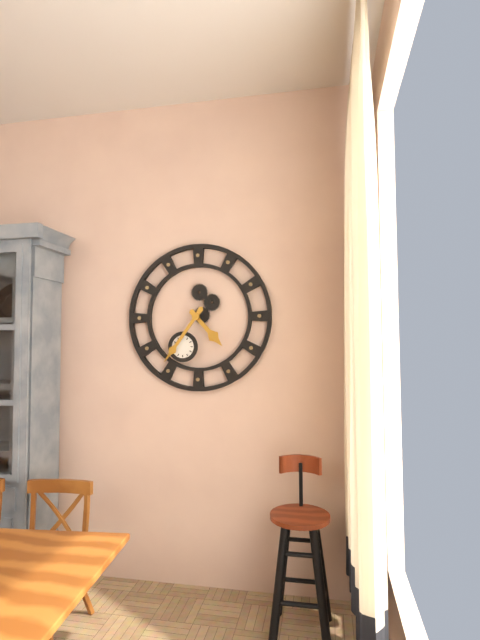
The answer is 4h36
